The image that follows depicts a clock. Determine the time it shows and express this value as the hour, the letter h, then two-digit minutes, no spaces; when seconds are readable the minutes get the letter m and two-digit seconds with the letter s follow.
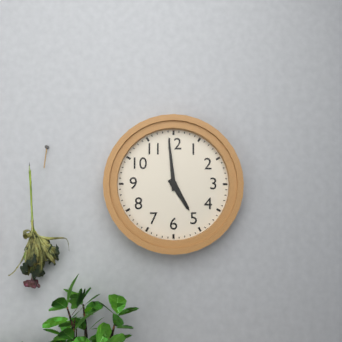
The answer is 4h59
